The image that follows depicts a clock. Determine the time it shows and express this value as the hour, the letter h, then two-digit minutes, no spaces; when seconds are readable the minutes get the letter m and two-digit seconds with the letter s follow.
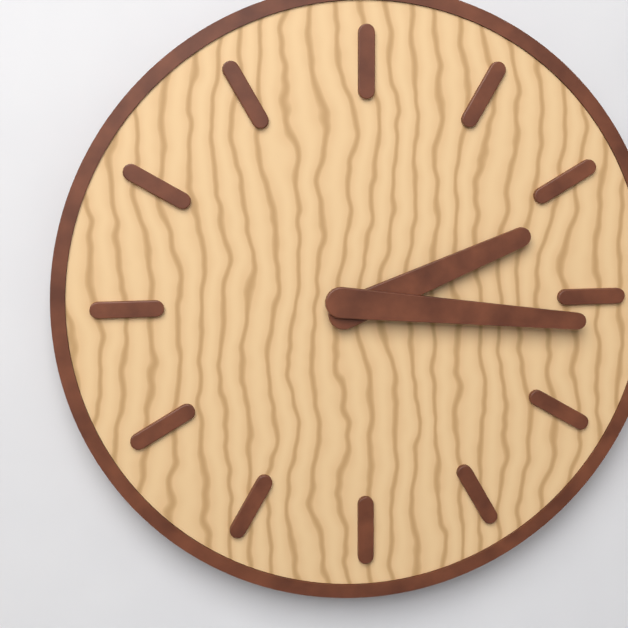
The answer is 2h16
